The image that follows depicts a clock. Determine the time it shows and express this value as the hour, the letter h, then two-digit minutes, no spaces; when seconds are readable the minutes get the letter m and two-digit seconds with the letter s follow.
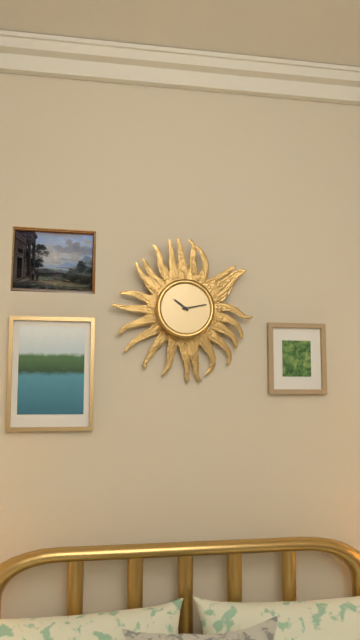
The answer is 10h13
